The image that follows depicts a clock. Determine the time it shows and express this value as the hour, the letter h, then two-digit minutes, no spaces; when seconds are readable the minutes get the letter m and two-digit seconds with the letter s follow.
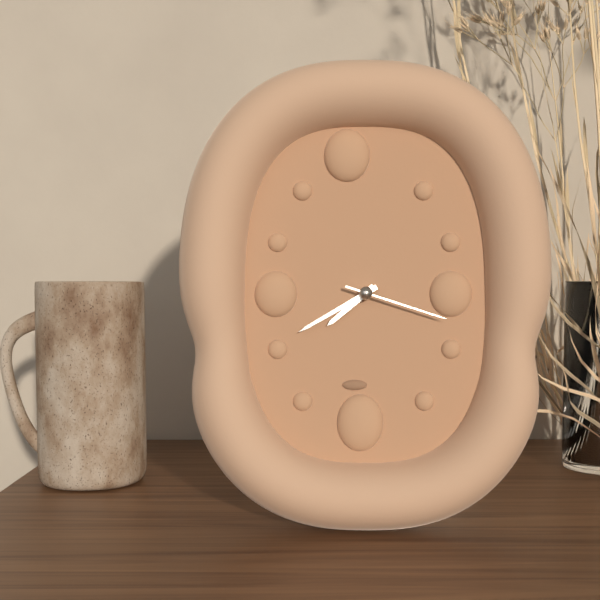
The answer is 7h40m18s
